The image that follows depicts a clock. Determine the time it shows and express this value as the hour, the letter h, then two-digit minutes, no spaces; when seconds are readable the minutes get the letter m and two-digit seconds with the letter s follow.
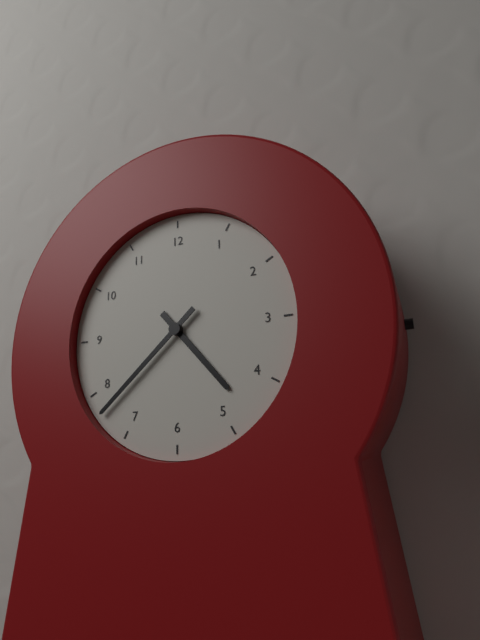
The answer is 4h38
